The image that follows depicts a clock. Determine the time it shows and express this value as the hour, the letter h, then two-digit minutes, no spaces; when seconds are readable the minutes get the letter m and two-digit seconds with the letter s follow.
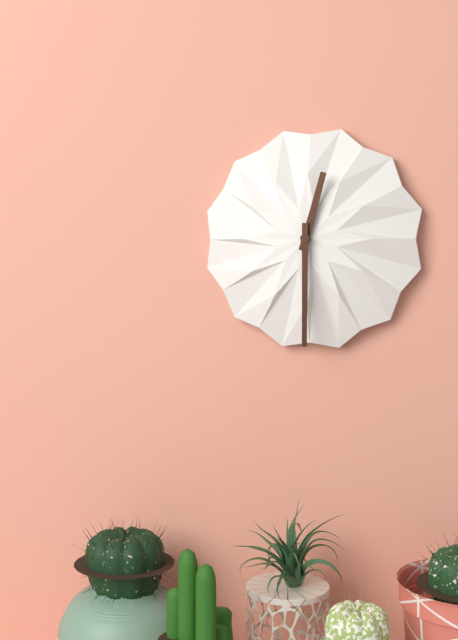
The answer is 12h30
